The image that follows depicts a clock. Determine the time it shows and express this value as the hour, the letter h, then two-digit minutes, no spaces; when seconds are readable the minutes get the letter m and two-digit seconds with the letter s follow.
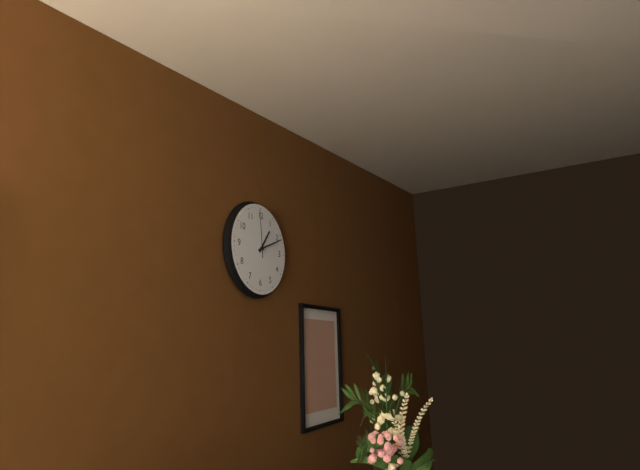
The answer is 1h11
